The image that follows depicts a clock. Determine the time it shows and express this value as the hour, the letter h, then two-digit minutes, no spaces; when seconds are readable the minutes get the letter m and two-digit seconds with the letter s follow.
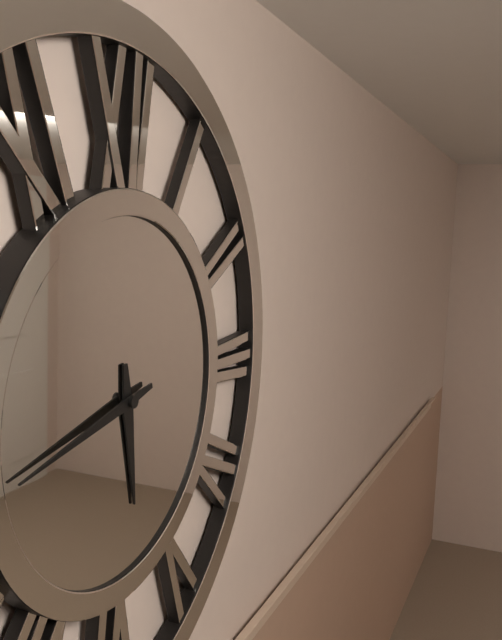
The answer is 5h43
